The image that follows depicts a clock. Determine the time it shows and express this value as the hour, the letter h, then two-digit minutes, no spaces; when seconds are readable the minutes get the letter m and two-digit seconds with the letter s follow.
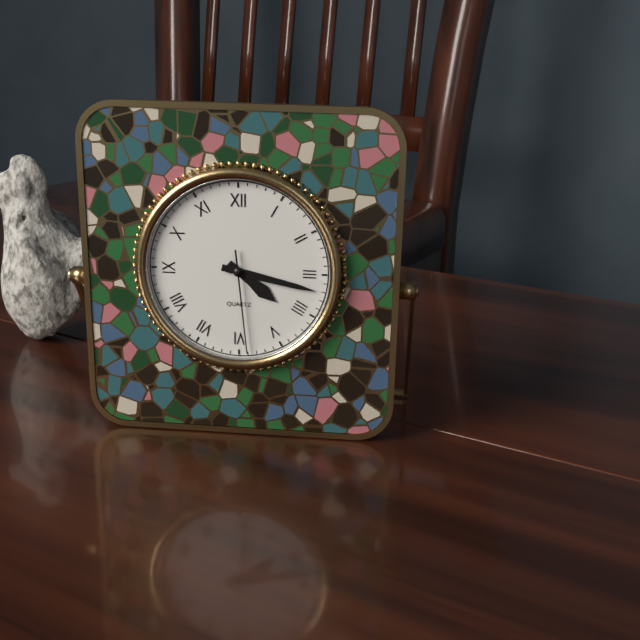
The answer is 4h17m29s
